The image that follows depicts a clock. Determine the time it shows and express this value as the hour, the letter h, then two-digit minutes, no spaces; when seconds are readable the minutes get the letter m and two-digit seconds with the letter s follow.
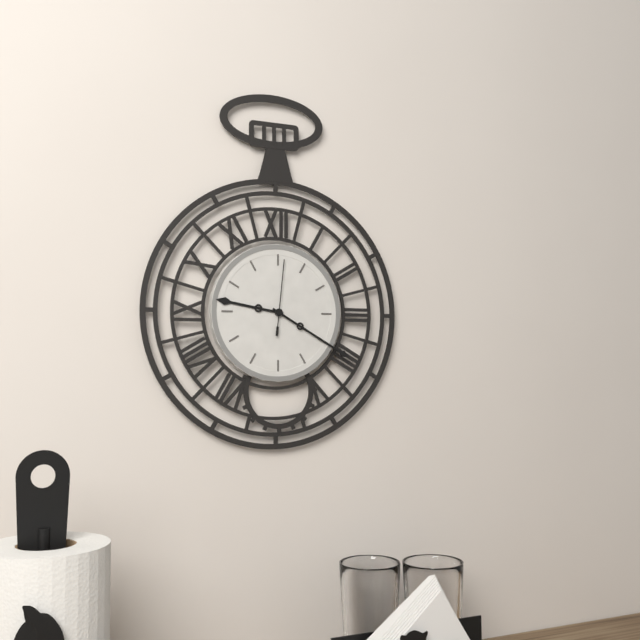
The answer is 9h20m01s
